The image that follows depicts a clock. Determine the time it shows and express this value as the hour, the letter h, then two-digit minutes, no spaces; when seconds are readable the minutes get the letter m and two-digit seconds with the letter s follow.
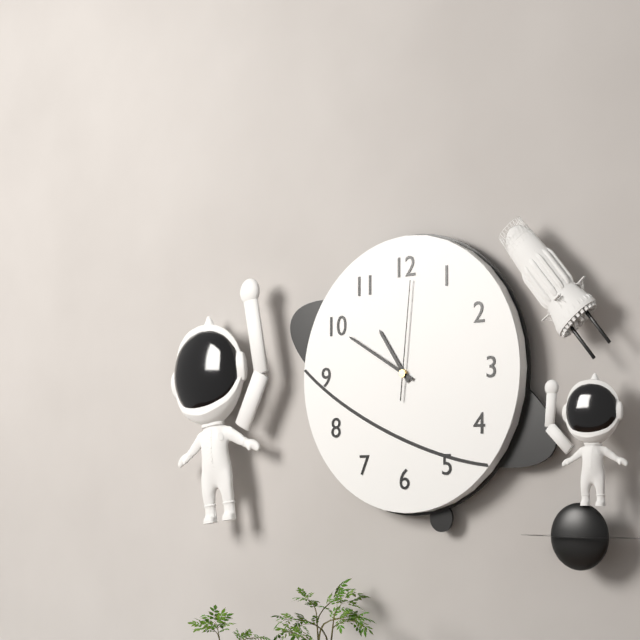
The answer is 10h50m01s
